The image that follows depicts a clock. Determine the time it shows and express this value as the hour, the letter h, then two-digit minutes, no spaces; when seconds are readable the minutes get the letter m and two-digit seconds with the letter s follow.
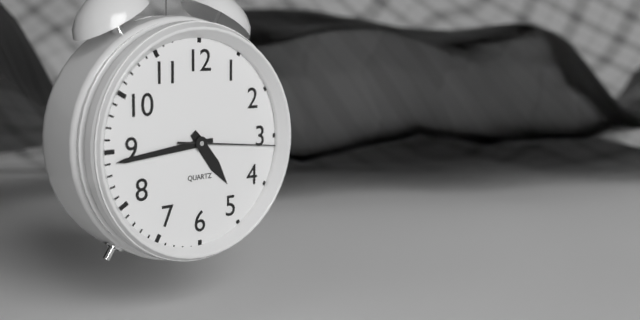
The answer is 4h44m16s
